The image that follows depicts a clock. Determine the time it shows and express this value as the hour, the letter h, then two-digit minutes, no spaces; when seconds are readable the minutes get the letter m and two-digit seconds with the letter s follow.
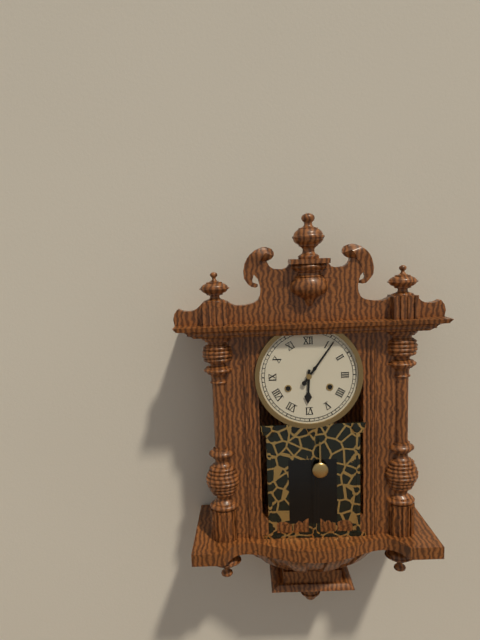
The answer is 6h06
